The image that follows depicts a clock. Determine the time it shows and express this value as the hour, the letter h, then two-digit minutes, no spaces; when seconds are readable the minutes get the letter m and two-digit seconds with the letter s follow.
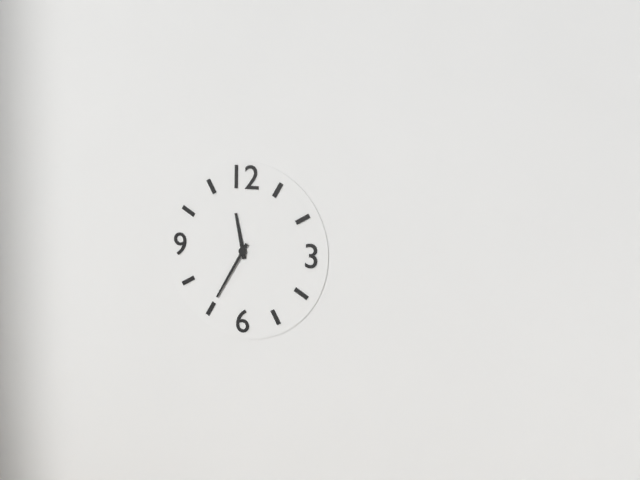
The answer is 11h35
